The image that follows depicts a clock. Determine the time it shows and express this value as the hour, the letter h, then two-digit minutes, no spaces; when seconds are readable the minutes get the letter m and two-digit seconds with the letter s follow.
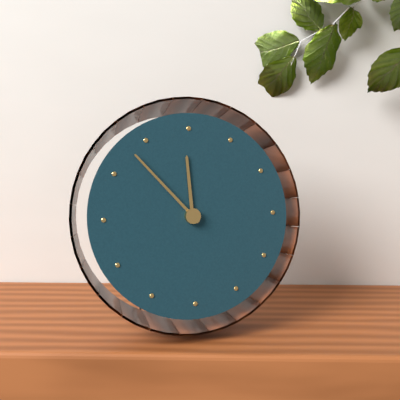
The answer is 11h53
